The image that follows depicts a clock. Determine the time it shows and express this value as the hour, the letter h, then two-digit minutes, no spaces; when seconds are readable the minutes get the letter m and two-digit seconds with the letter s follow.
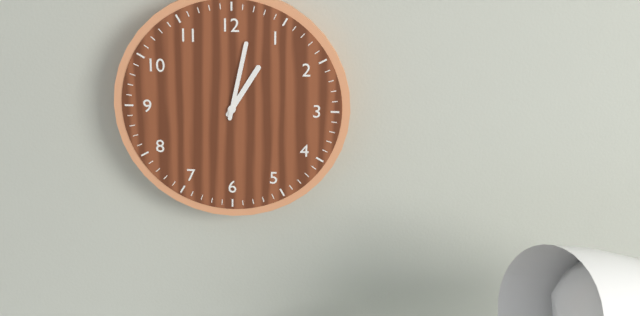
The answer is 1h02
